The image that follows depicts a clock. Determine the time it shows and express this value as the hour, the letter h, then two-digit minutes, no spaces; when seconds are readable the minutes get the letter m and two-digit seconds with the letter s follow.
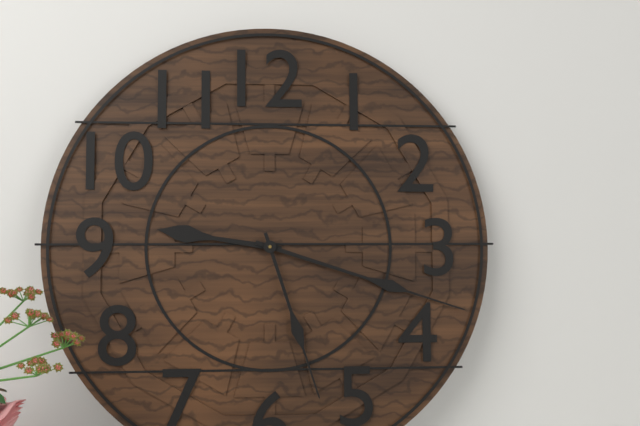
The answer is 9h18m27s
